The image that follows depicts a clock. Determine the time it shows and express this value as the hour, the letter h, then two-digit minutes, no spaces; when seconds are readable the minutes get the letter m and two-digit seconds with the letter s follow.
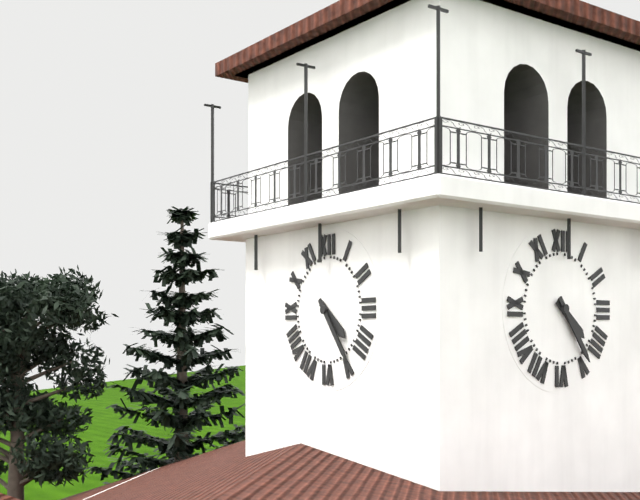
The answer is 4h24
